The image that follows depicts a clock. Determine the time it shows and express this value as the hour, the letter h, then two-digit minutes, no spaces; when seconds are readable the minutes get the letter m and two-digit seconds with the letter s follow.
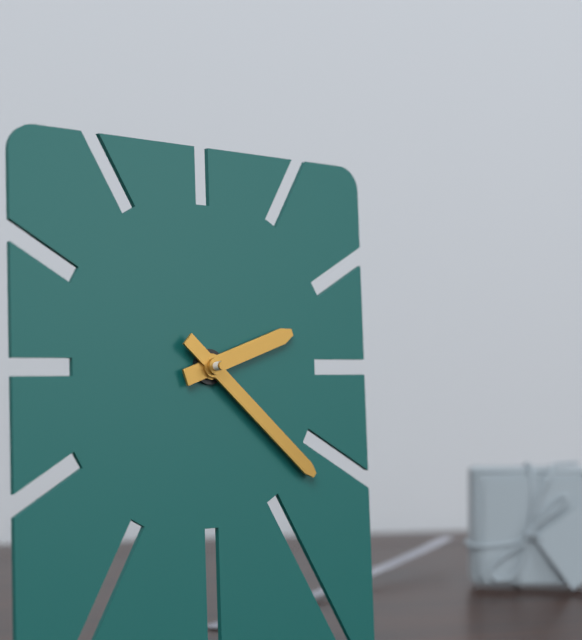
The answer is 2h22
